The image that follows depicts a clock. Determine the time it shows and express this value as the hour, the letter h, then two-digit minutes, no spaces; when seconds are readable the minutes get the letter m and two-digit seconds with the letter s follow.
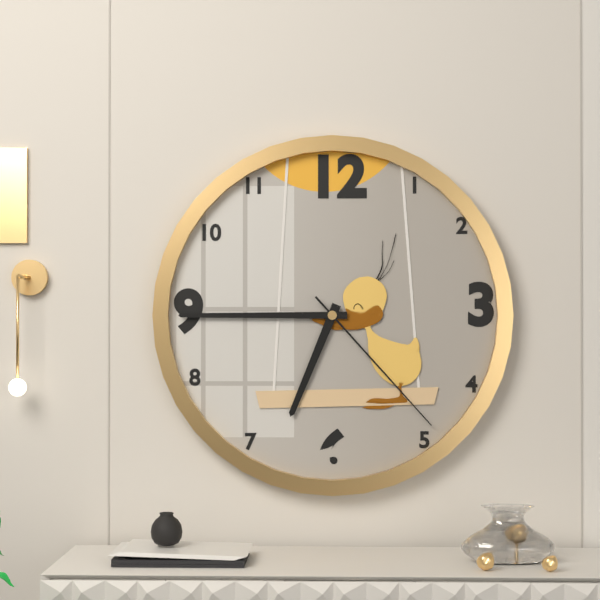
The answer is 6h45m23s
